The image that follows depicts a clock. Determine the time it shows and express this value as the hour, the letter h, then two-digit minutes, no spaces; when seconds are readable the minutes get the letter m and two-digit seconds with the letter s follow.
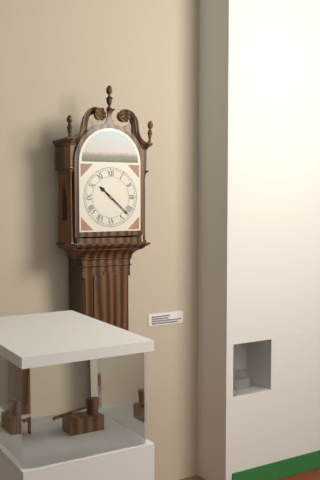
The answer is 10h22
